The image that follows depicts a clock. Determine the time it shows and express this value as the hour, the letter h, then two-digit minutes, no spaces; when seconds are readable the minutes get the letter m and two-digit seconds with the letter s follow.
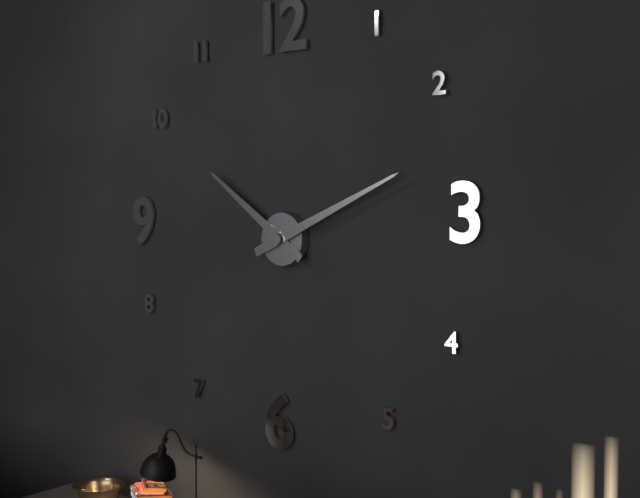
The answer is 10h11
